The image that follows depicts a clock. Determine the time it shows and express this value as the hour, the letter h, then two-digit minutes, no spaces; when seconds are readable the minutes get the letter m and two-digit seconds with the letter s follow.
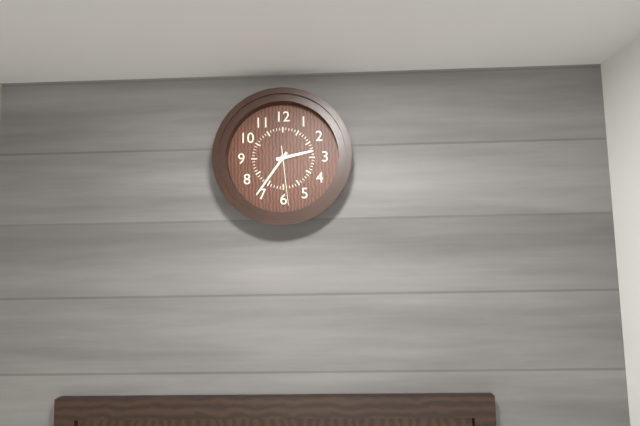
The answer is 2h36m29s
